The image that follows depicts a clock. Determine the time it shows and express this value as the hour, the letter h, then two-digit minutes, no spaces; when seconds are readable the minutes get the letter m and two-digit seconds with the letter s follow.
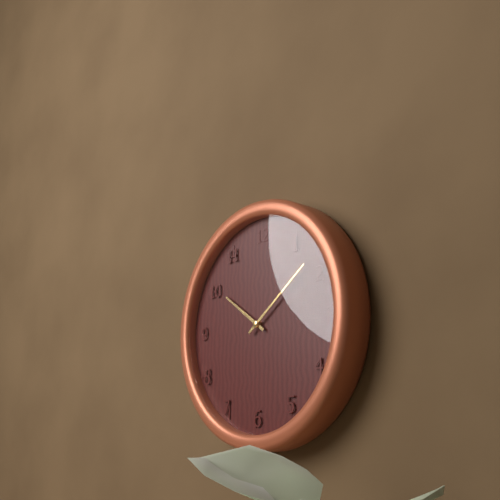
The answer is 10h09
